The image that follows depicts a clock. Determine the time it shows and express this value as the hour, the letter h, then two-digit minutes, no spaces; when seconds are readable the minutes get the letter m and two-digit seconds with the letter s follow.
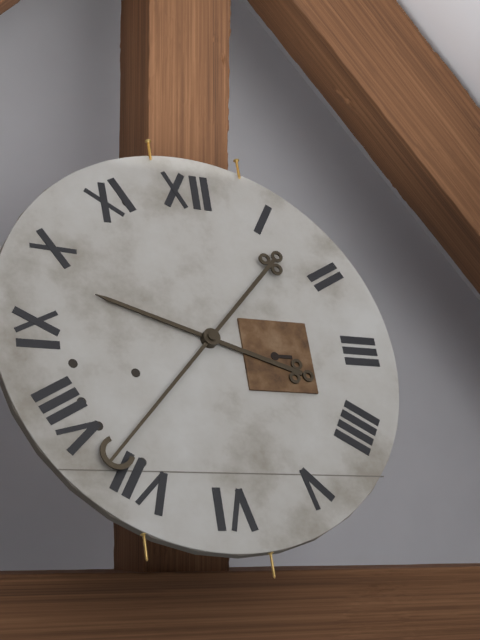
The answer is 9h37
